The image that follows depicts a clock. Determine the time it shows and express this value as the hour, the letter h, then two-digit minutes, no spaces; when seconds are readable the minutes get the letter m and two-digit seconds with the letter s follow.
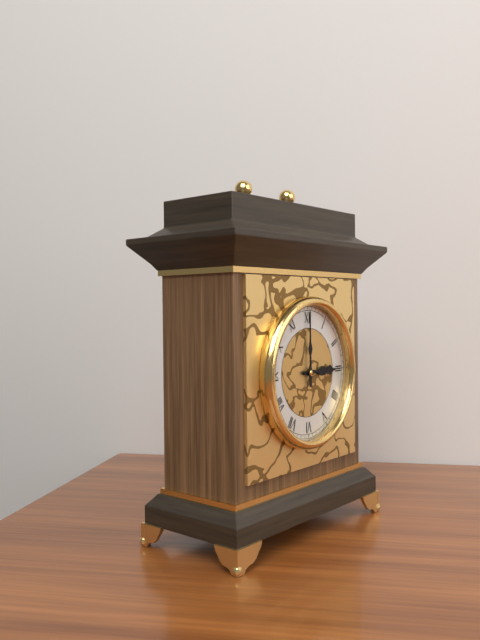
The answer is 3h00
